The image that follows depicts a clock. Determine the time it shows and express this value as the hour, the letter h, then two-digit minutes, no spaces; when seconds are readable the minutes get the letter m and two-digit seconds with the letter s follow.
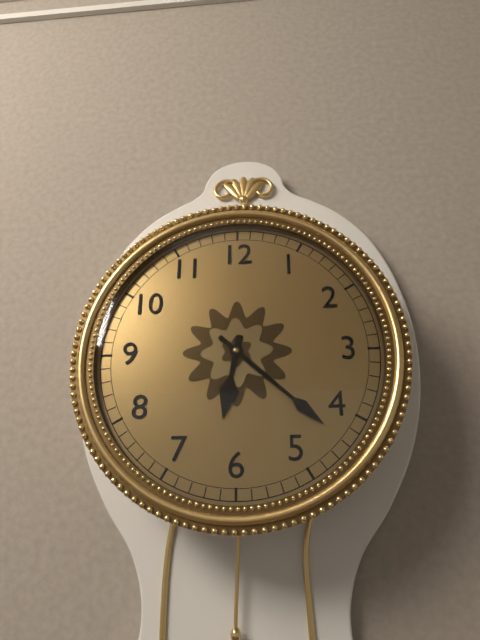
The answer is 6h22
